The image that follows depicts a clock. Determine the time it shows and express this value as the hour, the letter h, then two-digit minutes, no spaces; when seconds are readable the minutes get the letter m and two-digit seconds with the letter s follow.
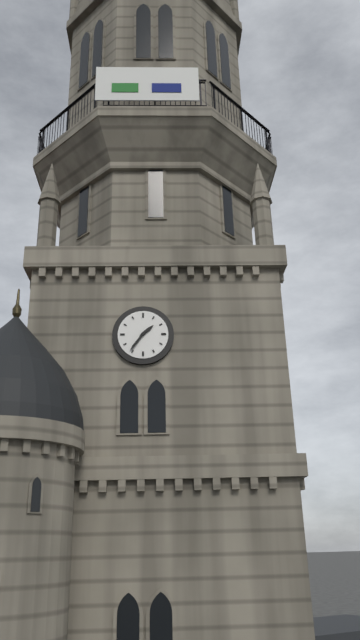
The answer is 1h36
